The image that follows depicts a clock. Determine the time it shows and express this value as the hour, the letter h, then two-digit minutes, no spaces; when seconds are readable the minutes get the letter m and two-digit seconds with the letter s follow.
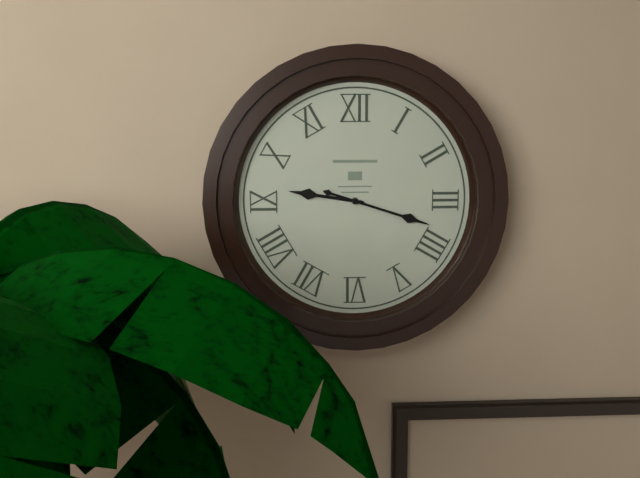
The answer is 9h18
